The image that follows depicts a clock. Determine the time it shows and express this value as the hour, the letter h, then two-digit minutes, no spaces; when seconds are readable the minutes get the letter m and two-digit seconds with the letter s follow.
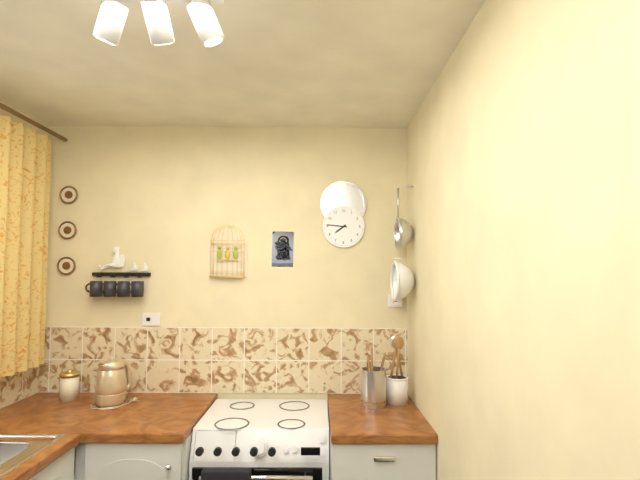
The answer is 7h46
